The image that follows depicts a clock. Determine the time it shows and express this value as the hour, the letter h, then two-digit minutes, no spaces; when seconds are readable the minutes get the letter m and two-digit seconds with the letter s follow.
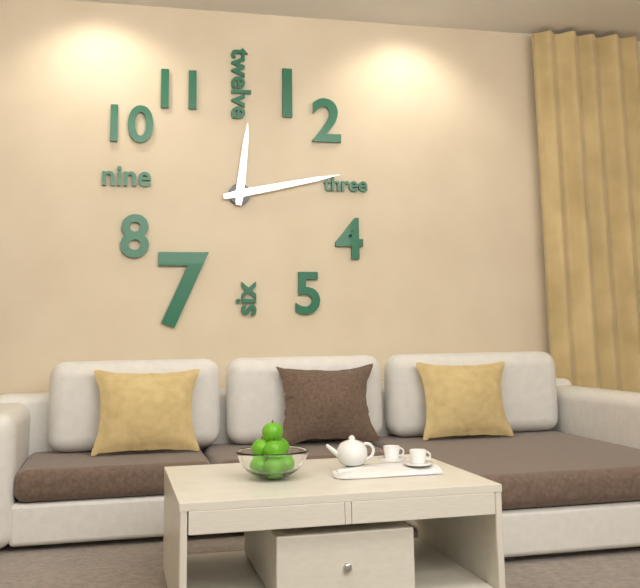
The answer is 12h13
